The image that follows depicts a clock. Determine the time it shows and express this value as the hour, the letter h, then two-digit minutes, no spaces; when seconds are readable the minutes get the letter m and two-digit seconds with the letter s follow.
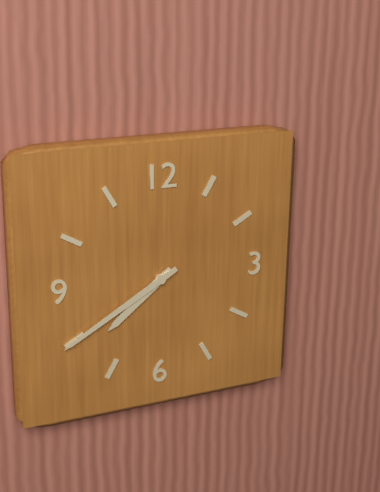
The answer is 7h40
